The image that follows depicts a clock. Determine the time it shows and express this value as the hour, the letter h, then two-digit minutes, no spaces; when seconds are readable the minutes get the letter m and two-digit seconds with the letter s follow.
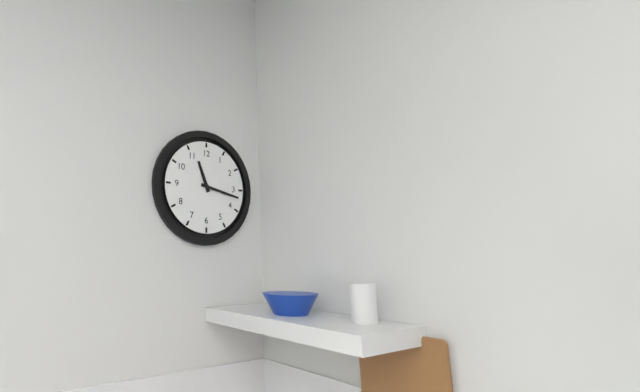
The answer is 11h17
